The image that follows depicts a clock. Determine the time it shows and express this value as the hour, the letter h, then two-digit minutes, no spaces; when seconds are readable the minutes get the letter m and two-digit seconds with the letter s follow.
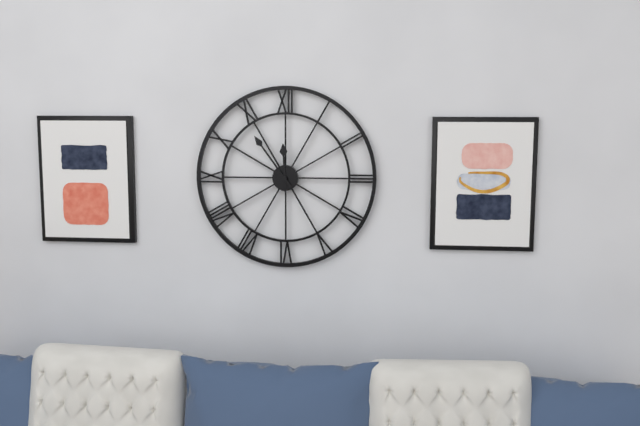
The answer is 11h54
